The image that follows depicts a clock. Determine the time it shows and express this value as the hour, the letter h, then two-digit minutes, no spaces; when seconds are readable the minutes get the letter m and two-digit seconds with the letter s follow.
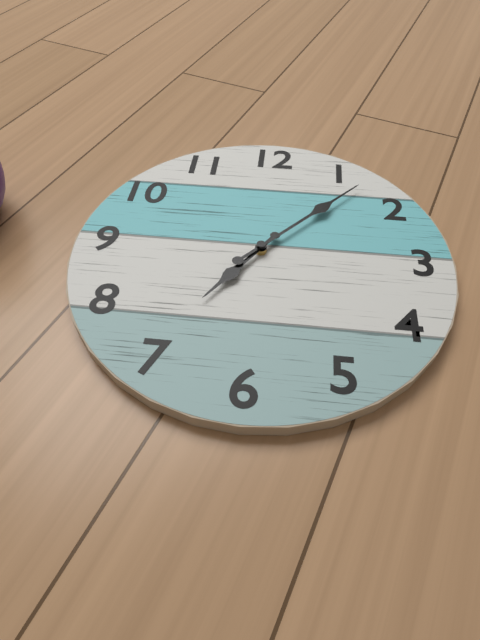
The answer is 7h07
